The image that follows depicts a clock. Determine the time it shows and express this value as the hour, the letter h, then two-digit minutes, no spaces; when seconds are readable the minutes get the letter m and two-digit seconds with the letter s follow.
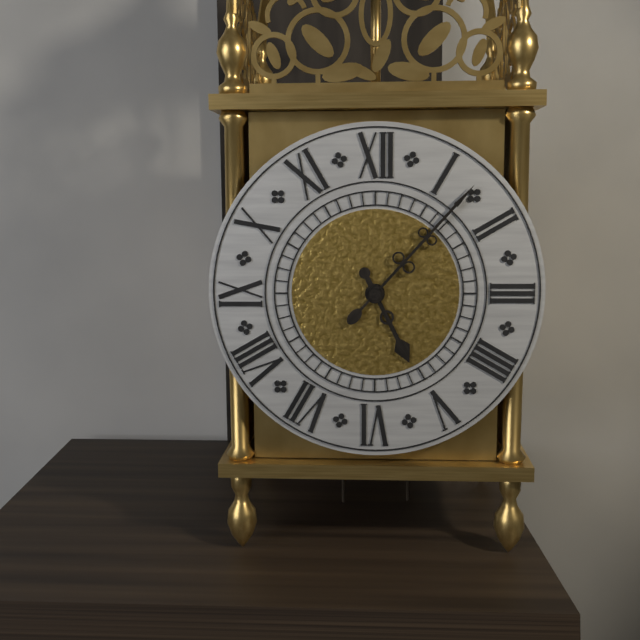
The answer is 5h07
